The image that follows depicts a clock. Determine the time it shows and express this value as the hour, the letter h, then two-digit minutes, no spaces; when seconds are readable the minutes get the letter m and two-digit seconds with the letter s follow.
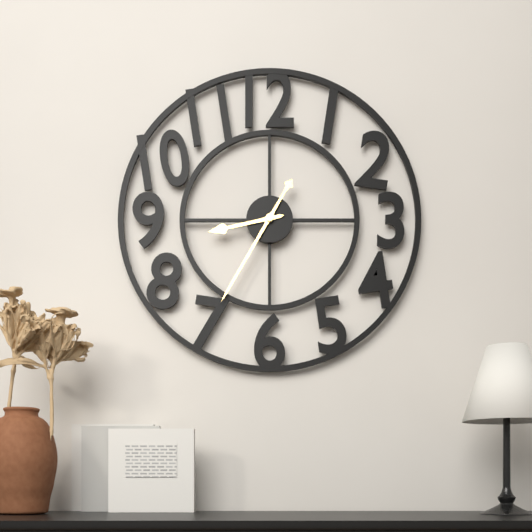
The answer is 8h35
